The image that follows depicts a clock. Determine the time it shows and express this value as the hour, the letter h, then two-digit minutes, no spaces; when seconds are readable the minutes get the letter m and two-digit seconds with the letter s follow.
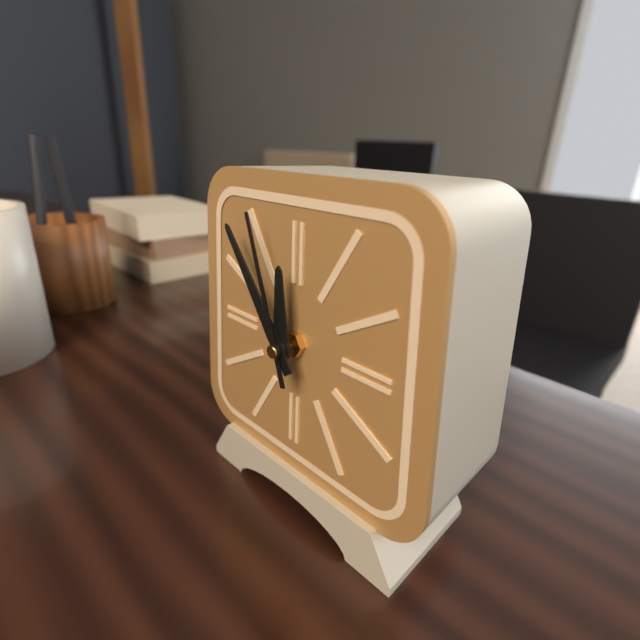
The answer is 11h54m57s
